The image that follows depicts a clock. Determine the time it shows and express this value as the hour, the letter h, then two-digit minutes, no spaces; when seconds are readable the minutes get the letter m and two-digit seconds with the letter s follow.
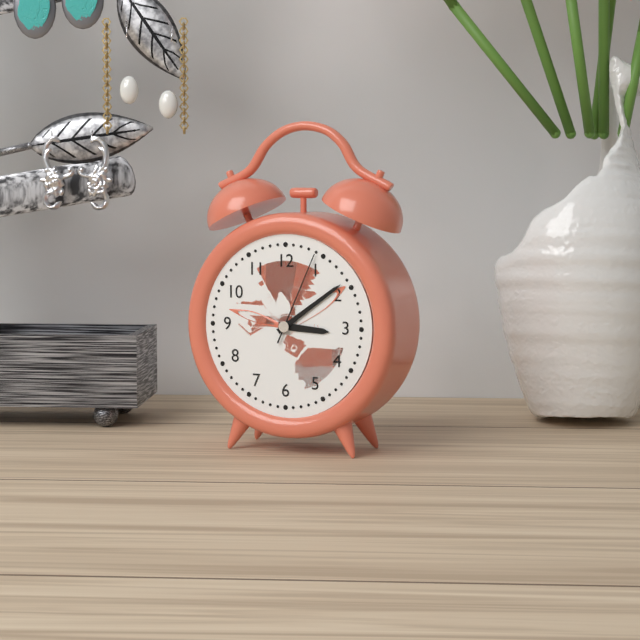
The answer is 3h09m04s
